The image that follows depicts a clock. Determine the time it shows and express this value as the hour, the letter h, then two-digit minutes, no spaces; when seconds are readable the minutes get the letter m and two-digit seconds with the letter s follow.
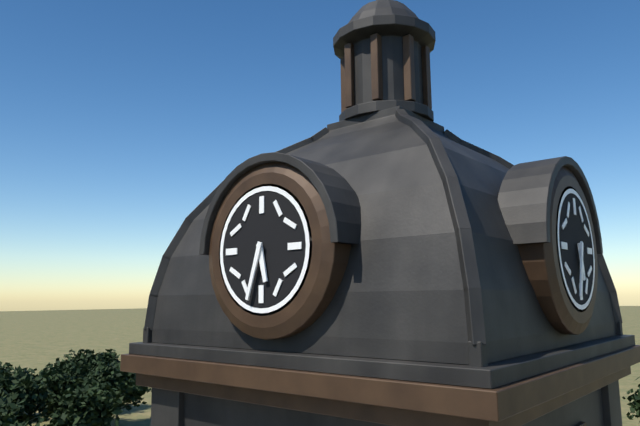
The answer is 5h33
